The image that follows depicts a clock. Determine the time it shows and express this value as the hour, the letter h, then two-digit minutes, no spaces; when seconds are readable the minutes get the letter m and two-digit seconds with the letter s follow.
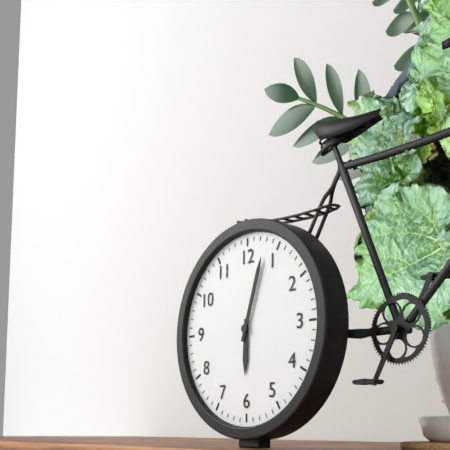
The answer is 6h03
